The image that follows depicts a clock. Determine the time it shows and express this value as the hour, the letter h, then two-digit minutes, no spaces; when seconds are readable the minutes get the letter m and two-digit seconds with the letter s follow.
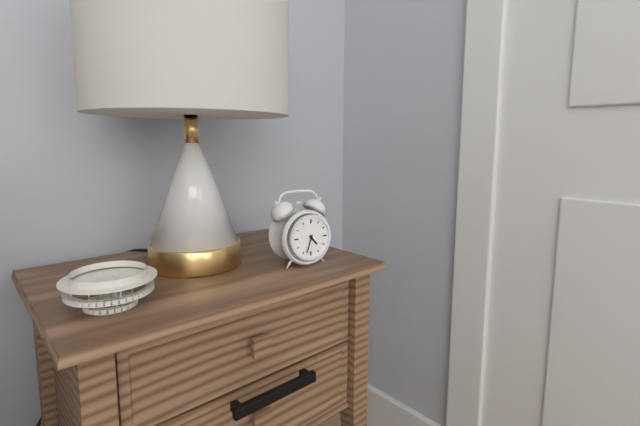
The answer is 4h33
